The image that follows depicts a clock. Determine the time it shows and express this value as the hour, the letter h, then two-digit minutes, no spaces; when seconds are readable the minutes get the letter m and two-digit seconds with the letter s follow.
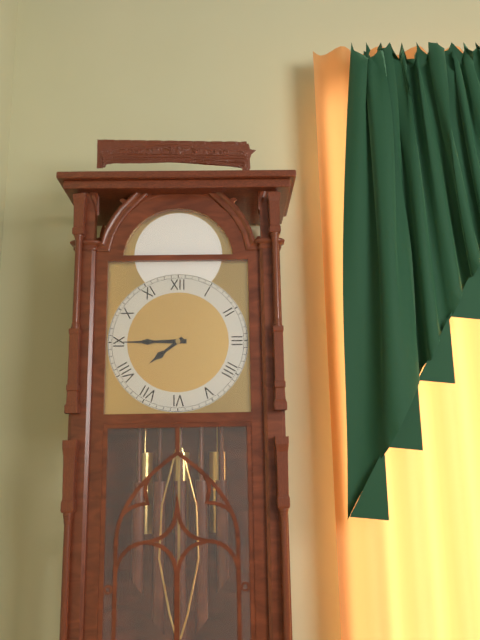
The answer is 7h45
